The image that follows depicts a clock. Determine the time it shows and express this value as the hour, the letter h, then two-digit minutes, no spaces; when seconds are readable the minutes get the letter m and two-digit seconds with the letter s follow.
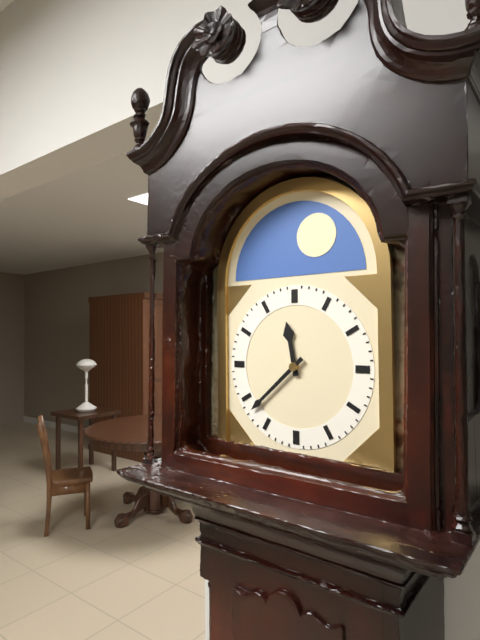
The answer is 11h38
